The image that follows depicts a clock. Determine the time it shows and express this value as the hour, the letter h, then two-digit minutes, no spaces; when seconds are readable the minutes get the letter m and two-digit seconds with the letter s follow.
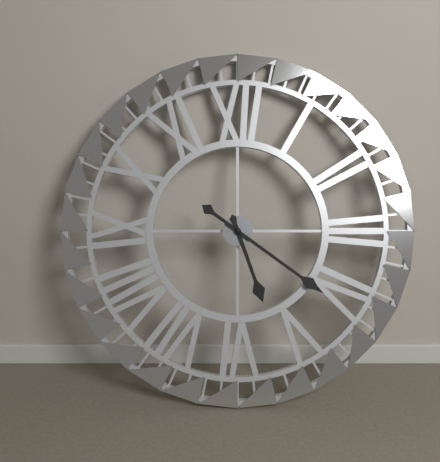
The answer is 5h21
